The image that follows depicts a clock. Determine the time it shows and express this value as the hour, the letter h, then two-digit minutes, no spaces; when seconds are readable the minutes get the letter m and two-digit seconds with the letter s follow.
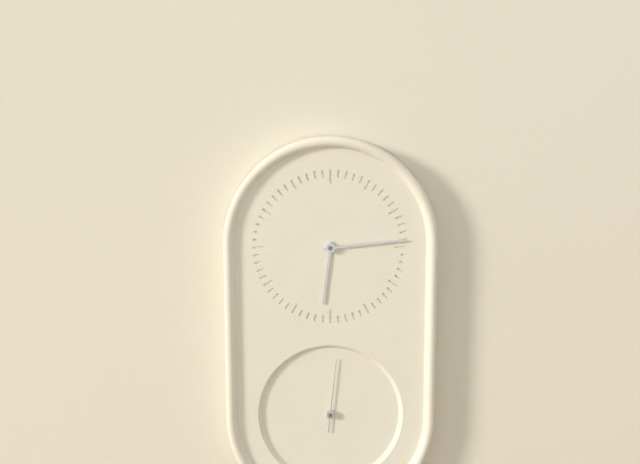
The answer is 6h14m01s
